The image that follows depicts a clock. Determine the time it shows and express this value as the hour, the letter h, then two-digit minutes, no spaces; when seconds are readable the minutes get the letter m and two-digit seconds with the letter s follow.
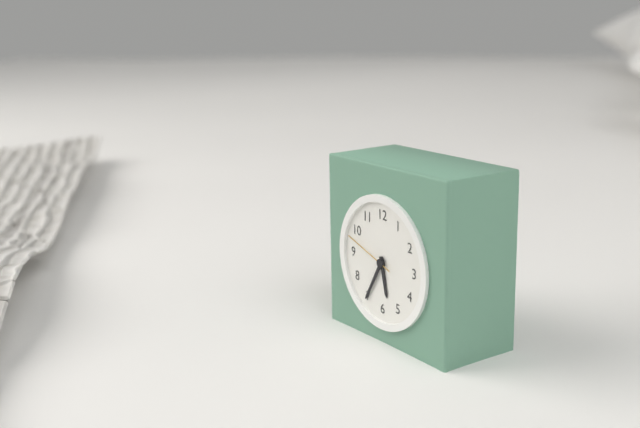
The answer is 5h35m48s
